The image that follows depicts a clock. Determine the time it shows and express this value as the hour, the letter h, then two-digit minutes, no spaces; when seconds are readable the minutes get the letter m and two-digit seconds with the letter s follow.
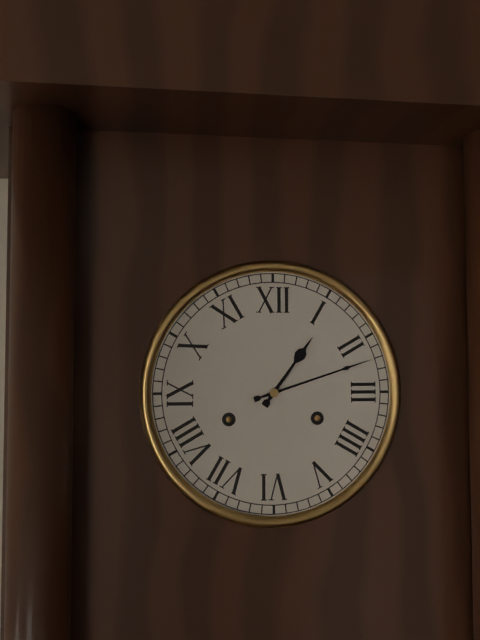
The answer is 1h12
